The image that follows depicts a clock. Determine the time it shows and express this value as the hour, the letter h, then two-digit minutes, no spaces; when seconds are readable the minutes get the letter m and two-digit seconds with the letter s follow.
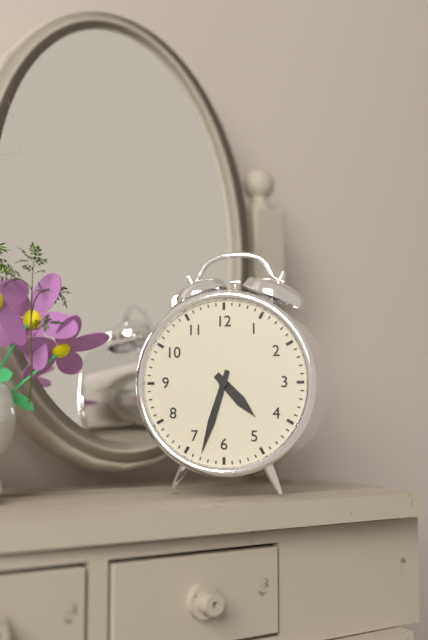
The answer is 4h33
